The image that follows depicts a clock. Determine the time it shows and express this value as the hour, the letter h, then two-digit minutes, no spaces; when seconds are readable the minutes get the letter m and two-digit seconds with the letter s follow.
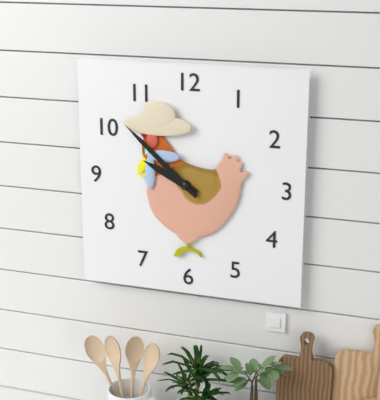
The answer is 9h52
